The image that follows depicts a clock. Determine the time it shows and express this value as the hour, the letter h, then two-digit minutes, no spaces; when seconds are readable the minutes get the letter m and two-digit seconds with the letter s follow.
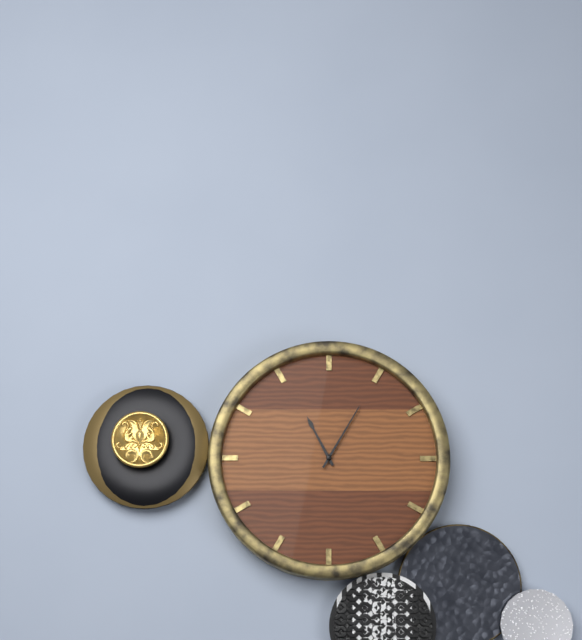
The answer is 11h05
